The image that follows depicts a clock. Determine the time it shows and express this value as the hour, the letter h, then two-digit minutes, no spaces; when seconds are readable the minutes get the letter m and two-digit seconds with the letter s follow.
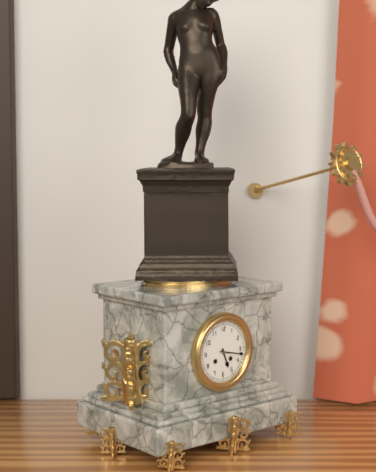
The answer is 5h17
